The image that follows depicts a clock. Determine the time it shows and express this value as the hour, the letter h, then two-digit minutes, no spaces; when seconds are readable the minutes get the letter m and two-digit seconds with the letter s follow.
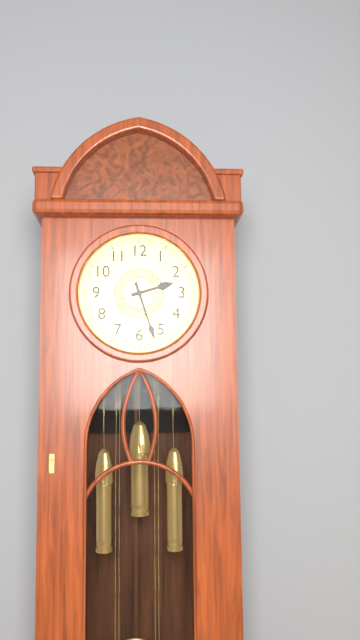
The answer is 2h27
